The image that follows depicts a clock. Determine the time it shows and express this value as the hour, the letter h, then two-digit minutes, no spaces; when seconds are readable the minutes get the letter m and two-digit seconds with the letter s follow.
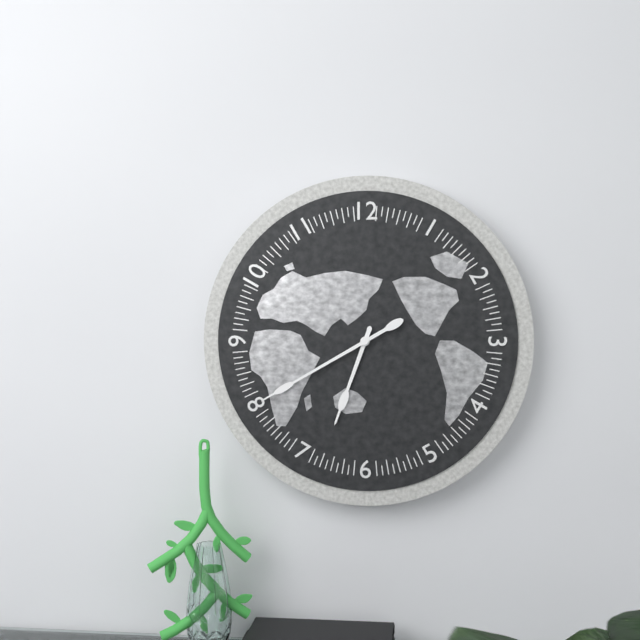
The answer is 6h40
